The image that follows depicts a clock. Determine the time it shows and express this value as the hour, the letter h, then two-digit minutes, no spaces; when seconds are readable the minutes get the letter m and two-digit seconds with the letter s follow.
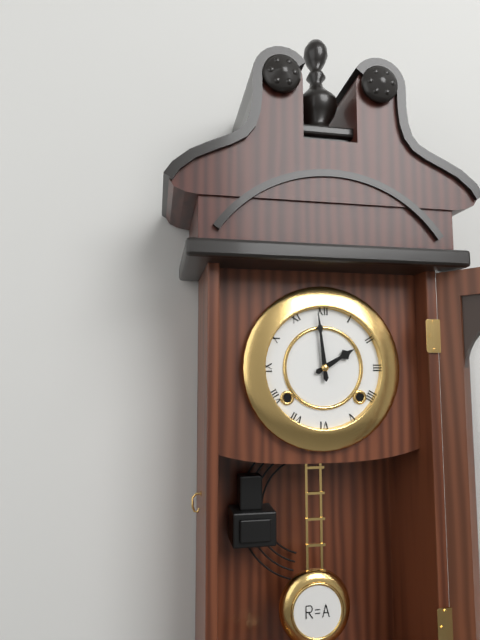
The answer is 1h59
